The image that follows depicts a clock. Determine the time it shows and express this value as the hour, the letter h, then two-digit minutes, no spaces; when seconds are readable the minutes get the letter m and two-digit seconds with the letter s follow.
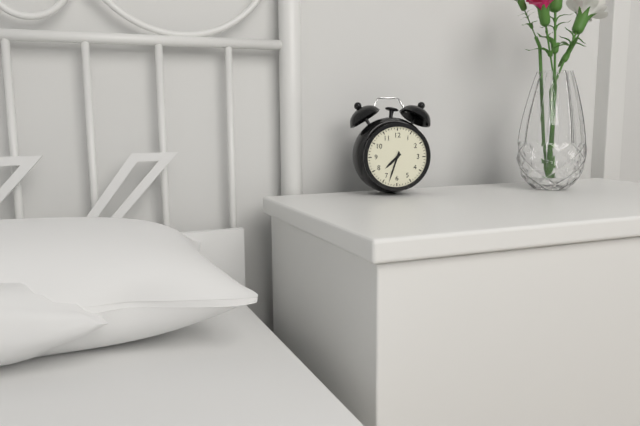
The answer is 7h33
